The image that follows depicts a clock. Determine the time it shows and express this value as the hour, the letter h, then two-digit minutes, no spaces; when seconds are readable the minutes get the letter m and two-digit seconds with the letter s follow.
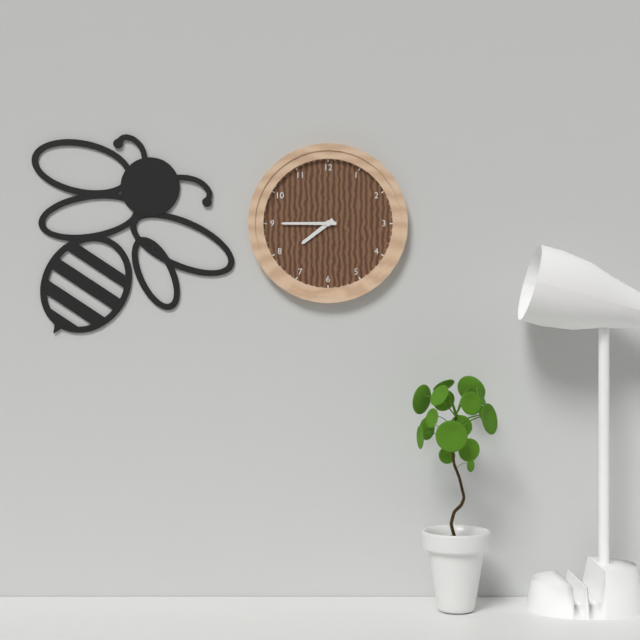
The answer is 7h45
